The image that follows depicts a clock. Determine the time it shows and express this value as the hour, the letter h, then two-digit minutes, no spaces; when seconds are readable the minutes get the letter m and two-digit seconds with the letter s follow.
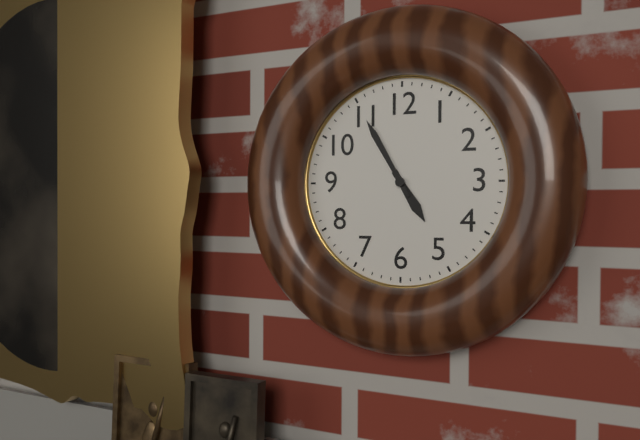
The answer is 4h55
